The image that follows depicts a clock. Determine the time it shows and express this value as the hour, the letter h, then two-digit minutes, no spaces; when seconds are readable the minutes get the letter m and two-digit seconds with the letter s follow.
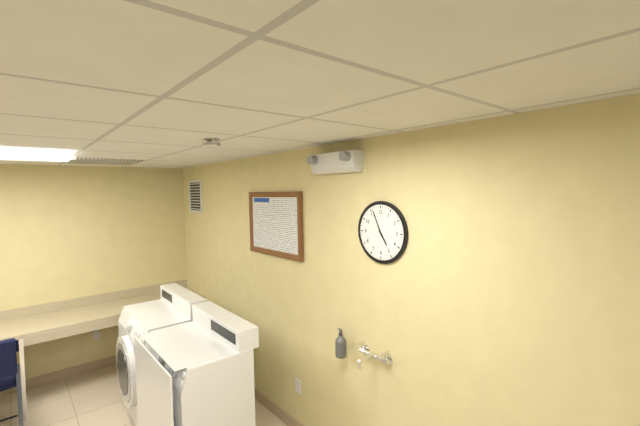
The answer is 4h56
